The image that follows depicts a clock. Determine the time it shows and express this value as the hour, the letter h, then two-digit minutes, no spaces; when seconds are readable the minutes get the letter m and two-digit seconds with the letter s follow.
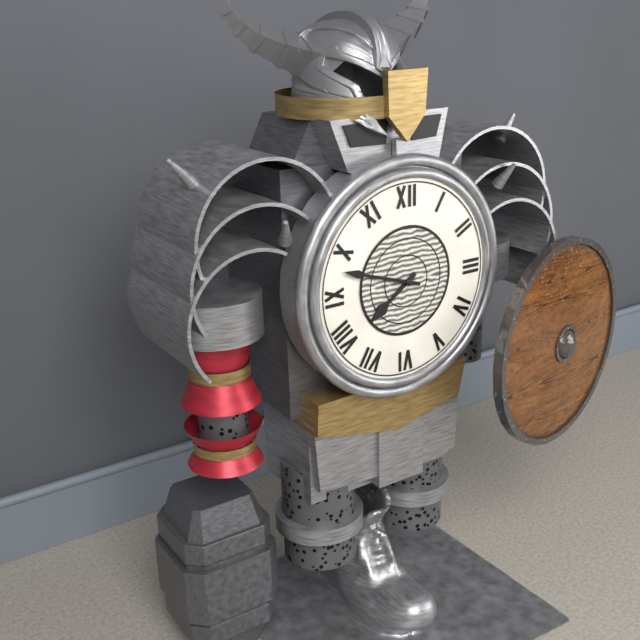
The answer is 7h48
